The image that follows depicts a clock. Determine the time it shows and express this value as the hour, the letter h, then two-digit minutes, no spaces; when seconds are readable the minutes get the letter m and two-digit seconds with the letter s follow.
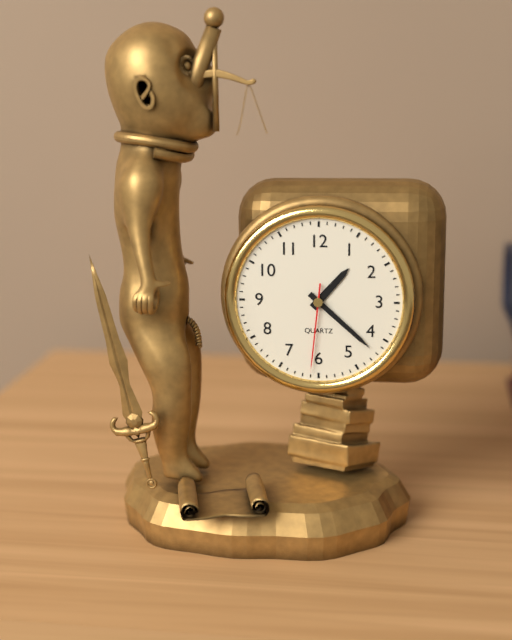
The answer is 1h22m31s
